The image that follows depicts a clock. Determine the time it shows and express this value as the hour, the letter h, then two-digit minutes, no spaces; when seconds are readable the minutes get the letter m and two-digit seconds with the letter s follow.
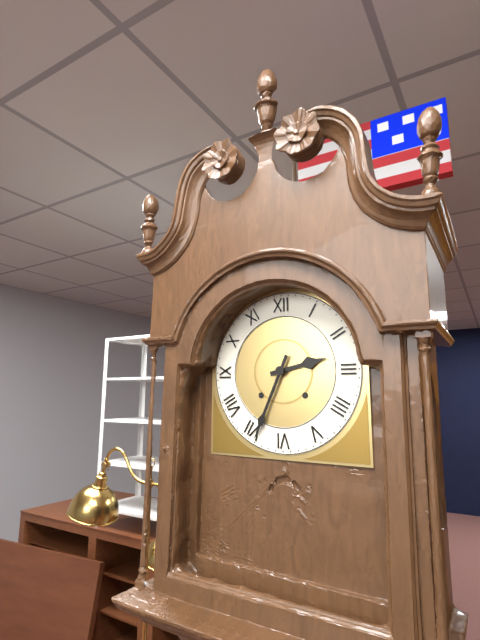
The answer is 2h34
